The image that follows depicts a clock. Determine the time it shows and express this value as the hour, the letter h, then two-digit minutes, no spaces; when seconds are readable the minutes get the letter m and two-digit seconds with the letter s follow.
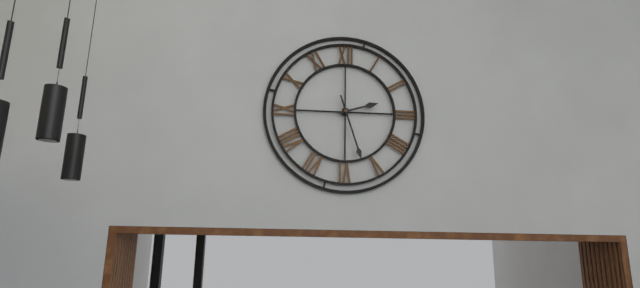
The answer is 2h27
